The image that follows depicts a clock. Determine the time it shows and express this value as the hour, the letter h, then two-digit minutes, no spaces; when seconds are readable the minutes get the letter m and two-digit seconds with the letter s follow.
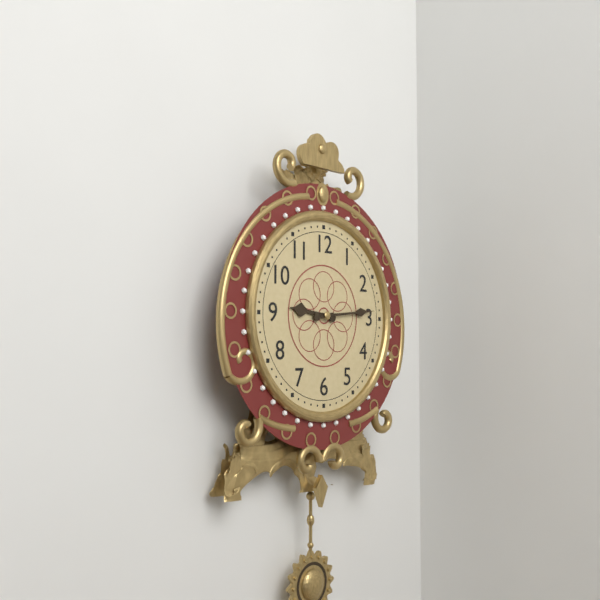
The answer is 9h14
